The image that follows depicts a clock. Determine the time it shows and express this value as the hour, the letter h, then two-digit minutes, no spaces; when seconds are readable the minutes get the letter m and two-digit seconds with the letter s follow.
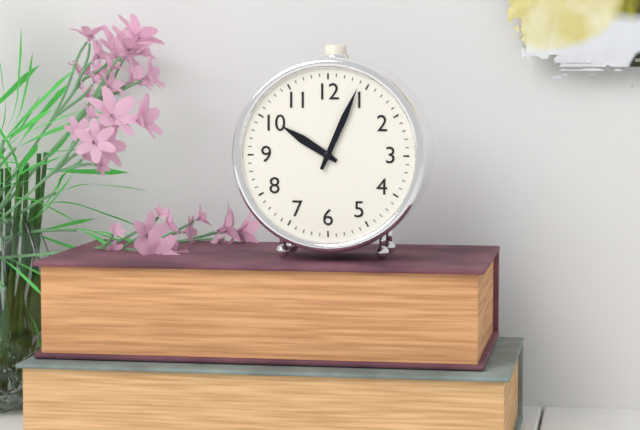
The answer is 10h04
